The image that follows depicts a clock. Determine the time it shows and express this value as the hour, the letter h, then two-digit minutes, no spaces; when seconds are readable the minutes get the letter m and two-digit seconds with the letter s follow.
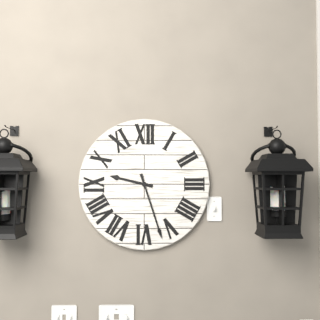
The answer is 9h27
